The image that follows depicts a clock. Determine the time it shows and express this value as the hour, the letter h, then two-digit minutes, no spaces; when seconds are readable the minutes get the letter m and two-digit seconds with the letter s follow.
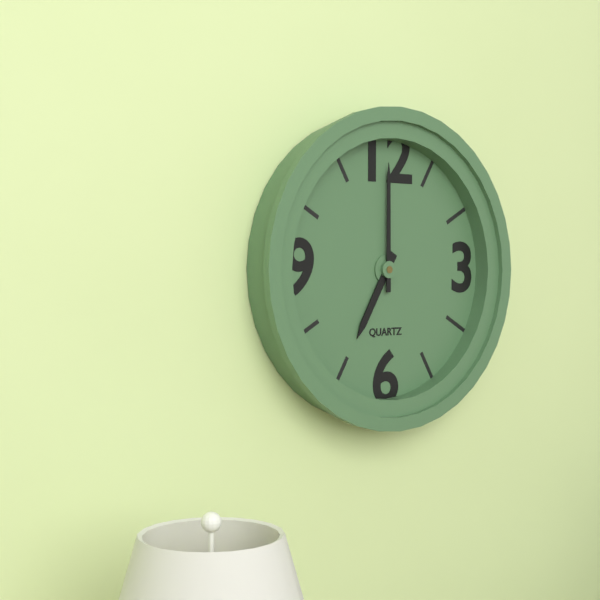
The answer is 7h00
